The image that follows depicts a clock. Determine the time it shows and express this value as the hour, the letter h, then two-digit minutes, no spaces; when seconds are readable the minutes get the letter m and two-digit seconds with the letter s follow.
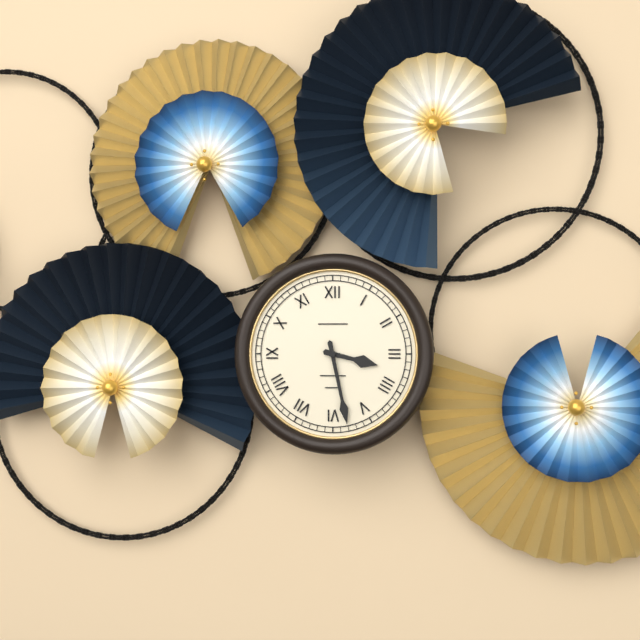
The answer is 3h28
